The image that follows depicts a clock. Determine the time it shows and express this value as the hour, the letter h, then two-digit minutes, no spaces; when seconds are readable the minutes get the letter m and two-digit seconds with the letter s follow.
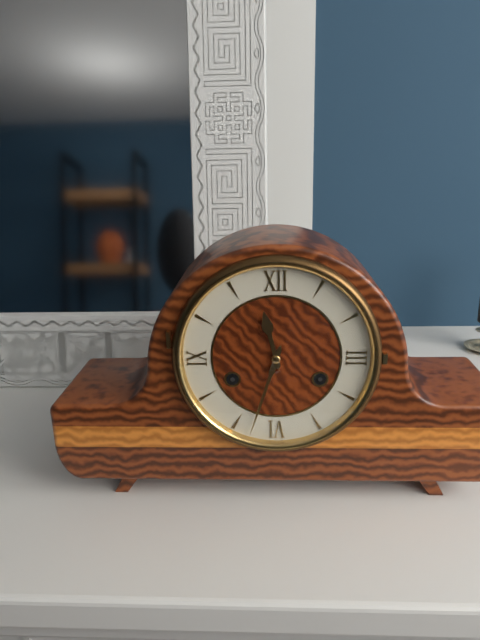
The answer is 11h33
